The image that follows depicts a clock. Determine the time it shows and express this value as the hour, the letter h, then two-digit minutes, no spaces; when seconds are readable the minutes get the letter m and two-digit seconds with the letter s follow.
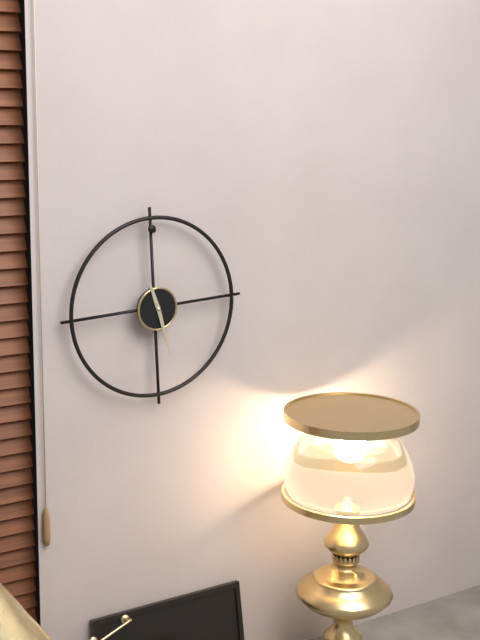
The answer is 11h28
